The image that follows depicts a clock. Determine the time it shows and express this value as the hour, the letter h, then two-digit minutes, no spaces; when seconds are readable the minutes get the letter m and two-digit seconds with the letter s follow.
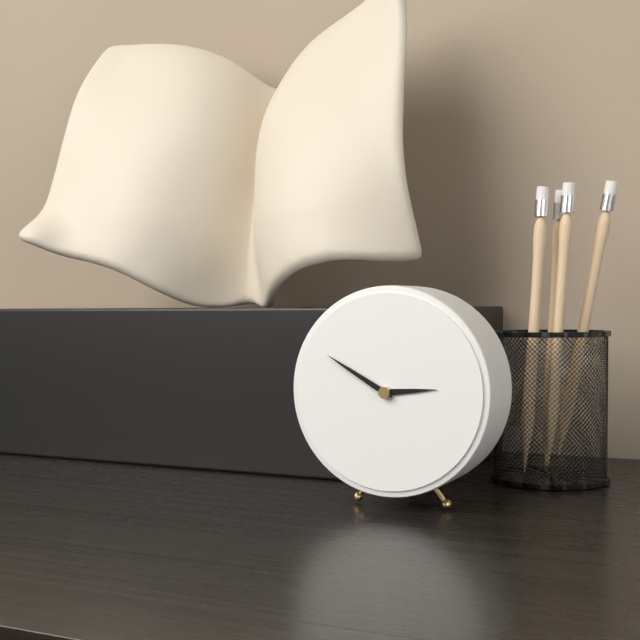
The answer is 2h50
